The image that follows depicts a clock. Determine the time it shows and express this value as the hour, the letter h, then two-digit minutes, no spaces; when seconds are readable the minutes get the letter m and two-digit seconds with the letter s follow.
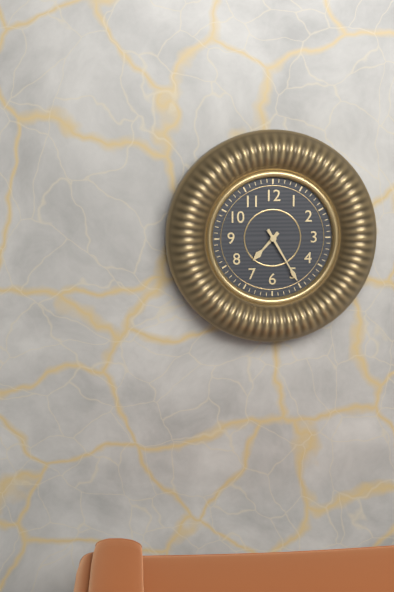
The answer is 7h25
